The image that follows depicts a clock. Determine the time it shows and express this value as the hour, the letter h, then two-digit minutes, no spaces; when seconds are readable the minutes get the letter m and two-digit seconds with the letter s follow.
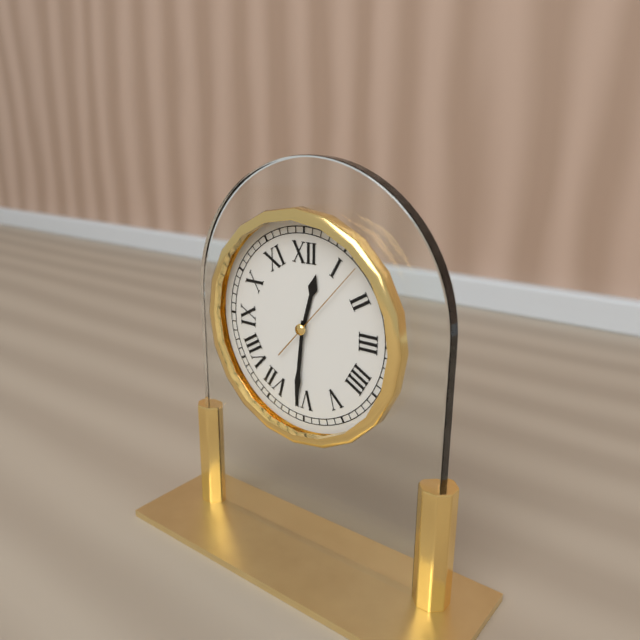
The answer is 12h31m07s
